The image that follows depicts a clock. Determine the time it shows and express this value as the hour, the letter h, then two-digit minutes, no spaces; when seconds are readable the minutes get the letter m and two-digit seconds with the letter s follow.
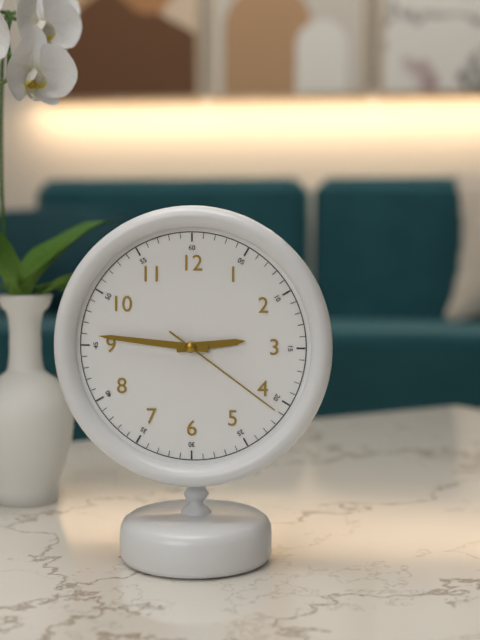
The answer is 2h46m21s
